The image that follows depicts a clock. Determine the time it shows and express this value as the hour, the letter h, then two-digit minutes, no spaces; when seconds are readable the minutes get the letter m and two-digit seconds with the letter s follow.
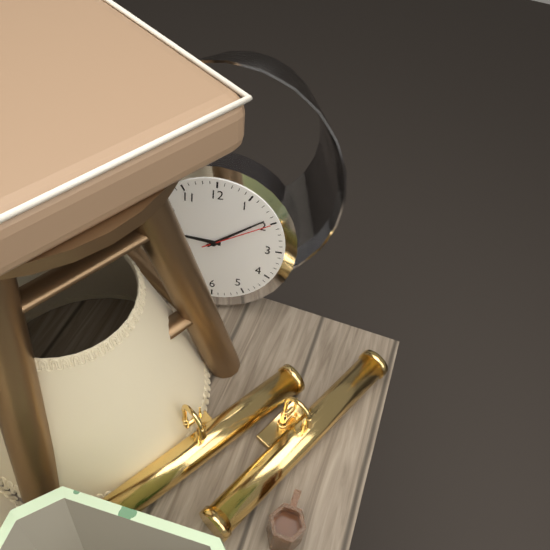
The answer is 9h09m10s
